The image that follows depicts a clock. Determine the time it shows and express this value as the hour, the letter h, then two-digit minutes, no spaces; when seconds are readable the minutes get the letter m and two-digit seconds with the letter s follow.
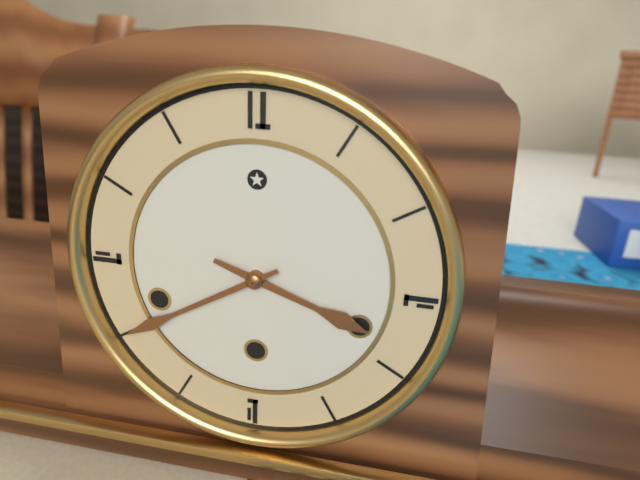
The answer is 3h40
